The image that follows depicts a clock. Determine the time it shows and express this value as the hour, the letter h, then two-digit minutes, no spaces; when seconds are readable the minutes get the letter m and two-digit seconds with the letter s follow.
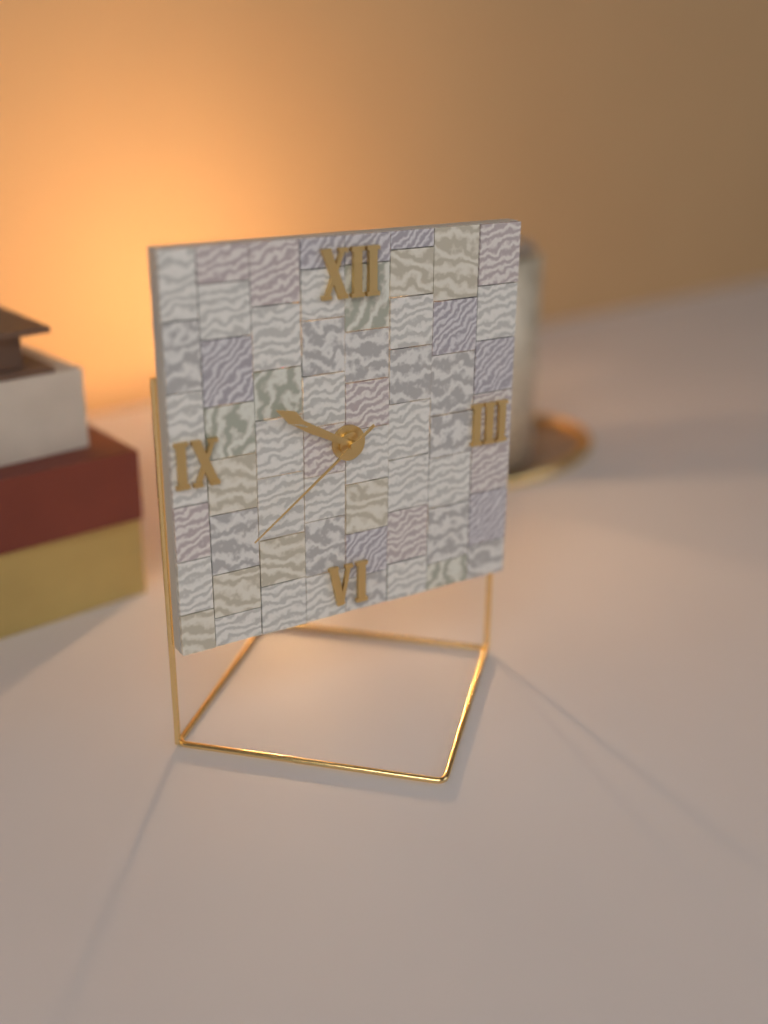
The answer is 9h50m39s
